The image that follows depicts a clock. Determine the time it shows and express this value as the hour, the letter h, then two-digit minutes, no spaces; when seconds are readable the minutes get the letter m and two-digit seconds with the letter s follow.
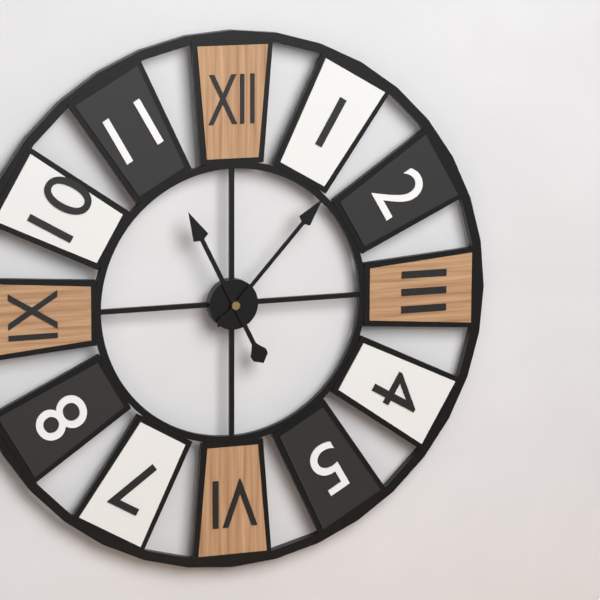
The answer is 11h07
